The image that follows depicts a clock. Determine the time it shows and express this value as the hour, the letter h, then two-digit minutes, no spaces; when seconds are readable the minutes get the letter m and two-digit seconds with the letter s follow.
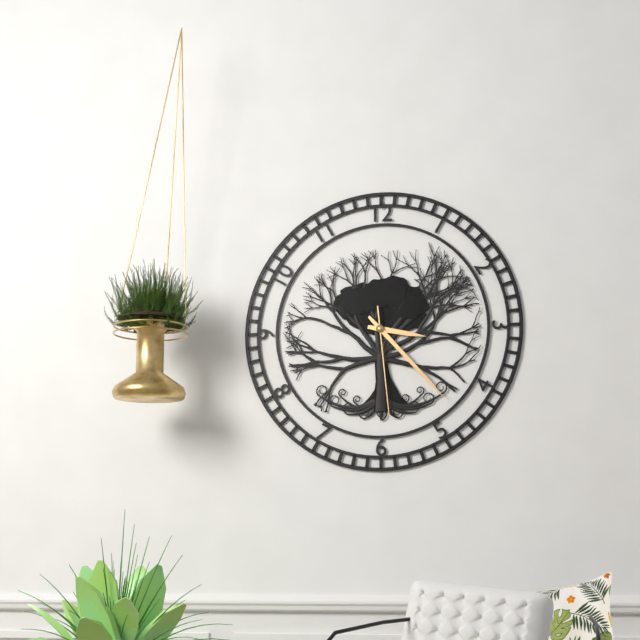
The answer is 3h23m29s
